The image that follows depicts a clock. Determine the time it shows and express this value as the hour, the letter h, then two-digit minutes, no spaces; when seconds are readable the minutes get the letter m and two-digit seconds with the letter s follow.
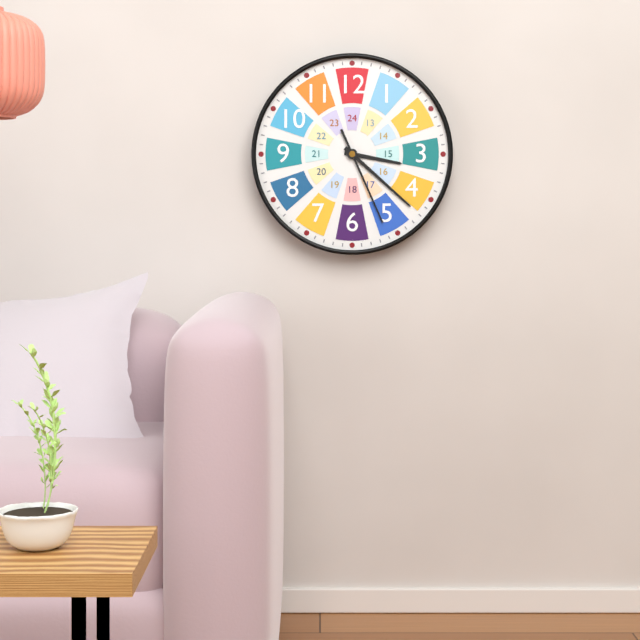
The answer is 3h22m26s
